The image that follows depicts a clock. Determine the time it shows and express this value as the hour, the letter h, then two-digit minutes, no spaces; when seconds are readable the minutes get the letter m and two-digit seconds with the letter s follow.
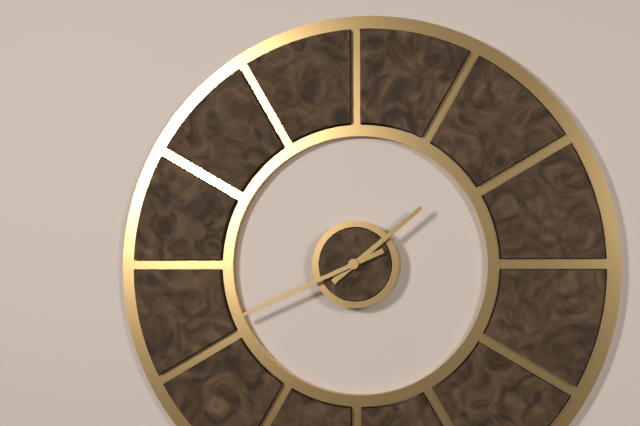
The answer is 1h41
